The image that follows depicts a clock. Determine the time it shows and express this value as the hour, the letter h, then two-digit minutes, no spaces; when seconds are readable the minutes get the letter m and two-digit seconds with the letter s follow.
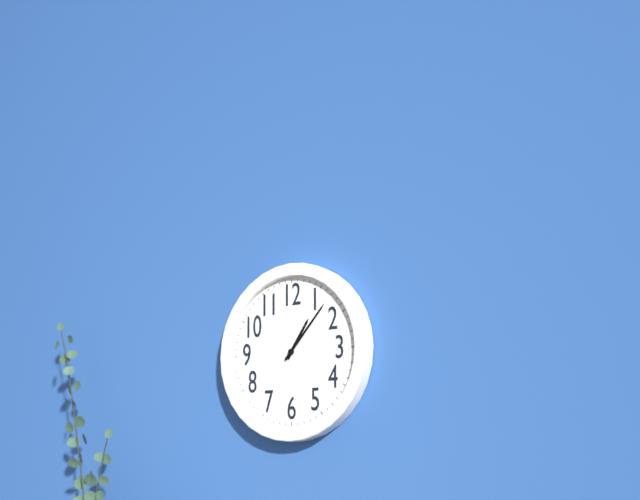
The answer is 1h07
